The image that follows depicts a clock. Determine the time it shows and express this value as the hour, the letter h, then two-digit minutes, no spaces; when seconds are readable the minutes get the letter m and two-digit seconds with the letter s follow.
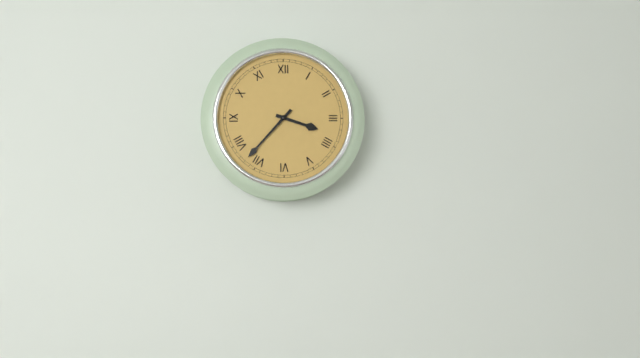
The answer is 3h37
